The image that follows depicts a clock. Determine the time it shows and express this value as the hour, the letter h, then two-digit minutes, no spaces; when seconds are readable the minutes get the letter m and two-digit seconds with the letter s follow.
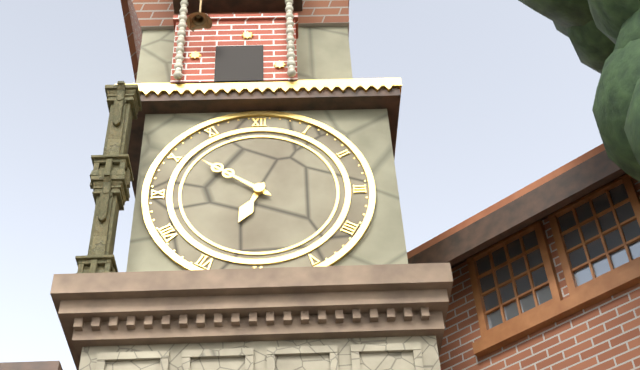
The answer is 6h51
